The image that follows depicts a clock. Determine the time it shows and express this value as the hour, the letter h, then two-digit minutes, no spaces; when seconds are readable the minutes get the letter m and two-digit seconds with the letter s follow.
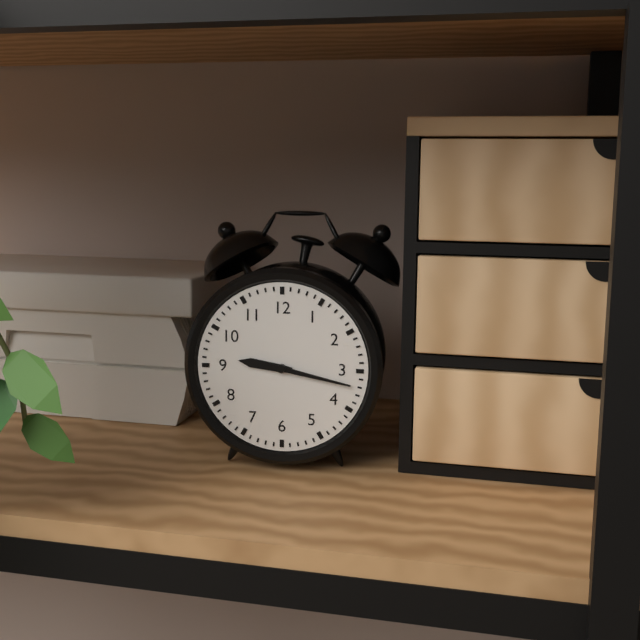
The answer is 9h17
